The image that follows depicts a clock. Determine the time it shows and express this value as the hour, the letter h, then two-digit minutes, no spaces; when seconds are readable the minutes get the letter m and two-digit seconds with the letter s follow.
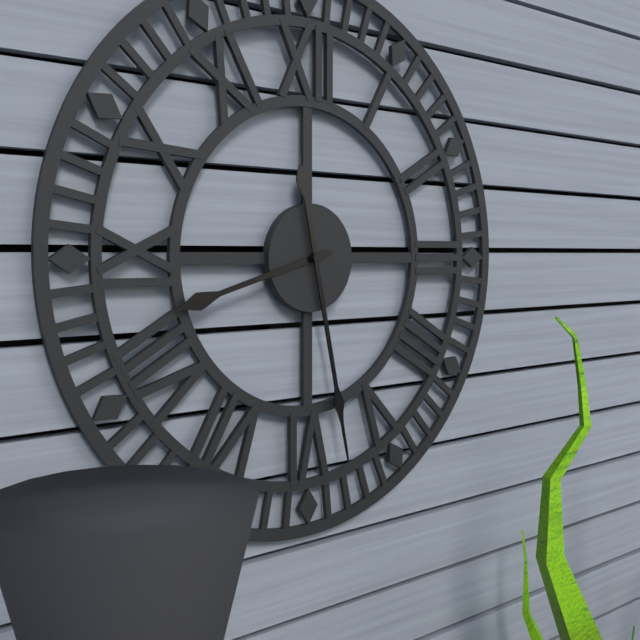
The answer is 8h28
